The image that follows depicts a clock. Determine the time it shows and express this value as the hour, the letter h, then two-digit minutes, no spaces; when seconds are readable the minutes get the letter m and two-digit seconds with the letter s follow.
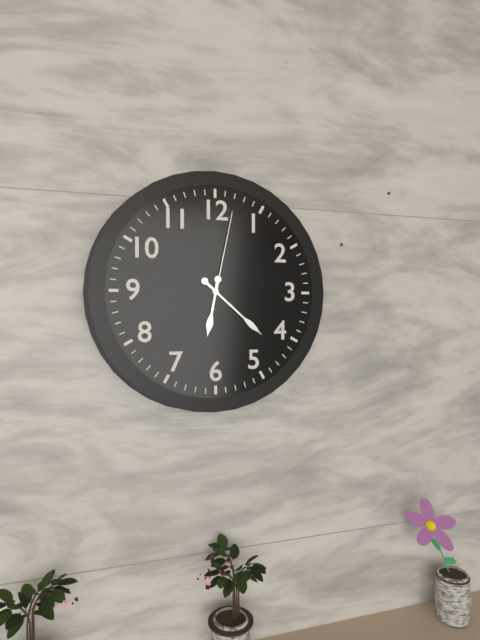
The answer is 6h22m02s
